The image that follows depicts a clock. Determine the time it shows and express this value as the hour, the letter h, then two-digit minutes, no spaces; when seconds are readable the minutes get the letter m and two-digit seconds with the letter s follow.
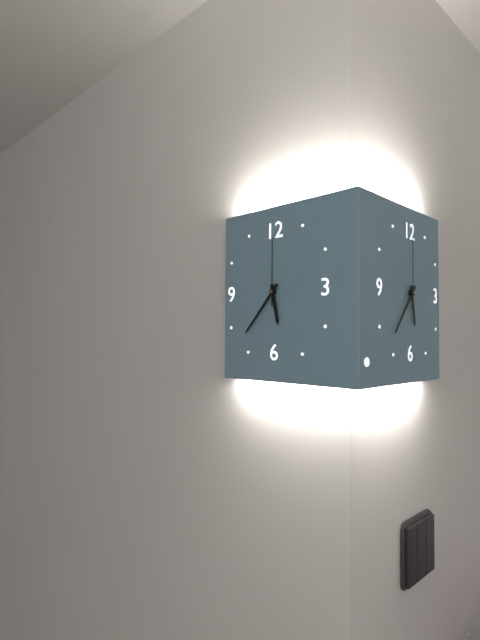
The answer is 5h37m00s
